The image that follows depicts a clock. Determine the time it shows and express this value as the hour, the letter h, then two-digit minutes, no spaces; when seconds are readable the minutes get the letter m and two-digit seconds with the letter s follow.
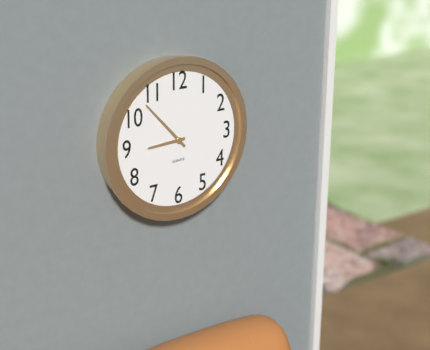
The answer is 8h53
